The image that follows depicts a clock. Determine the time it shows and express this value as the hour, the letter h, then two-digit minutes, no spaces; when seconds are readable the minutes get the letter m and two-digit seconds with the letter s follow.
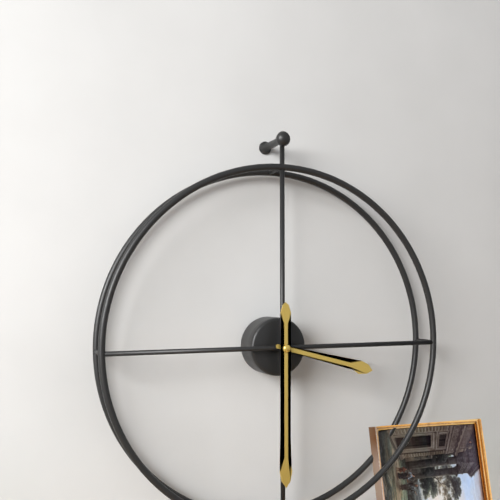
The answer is 3h30
